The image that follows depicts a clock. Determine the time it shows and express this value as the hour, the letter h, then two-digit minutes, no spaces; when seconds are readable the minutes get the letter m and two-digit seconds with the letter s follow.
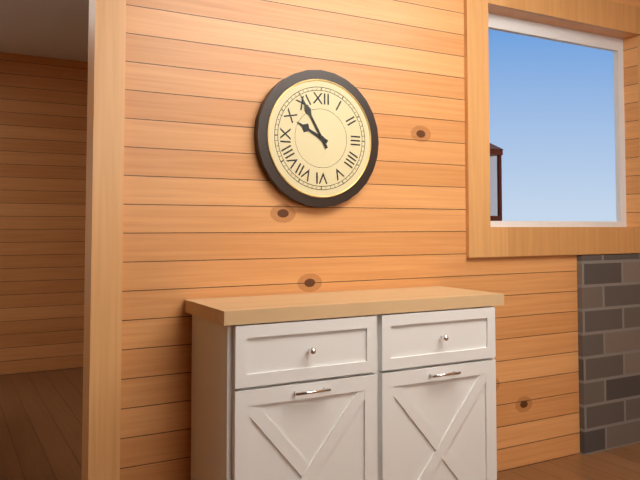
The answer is 9h55
